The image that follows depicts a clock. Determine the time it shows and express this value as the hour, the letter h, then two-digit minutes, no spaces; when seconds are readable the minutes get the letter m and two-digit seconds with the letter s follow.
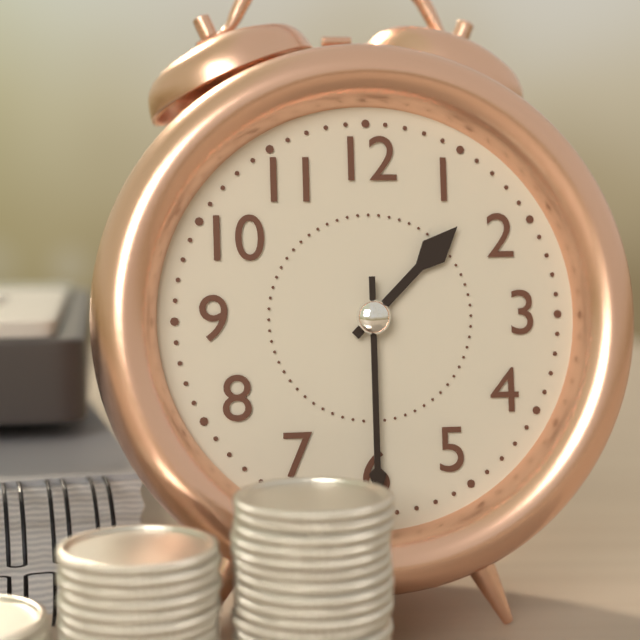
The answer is 1h30
